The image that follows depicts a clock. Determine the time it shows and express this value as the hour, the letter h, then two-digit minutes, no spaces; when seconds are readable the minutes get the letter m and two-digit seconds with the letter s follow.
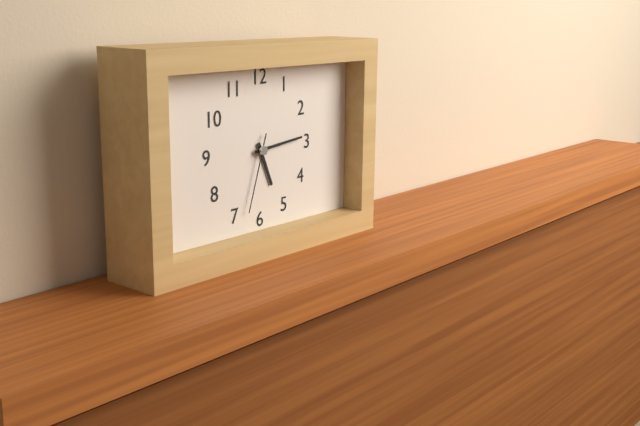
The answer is 5h14m33s
